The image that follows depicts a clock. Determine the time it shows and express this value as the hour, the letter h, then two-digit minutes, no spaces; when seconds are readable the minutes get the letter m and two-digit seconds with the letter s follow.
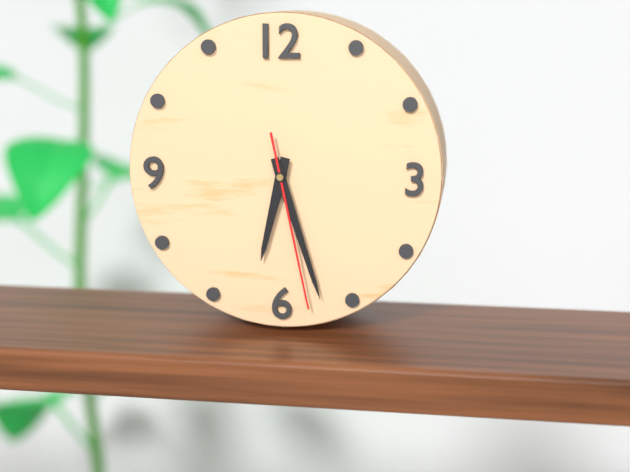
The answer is 6h27m28s
